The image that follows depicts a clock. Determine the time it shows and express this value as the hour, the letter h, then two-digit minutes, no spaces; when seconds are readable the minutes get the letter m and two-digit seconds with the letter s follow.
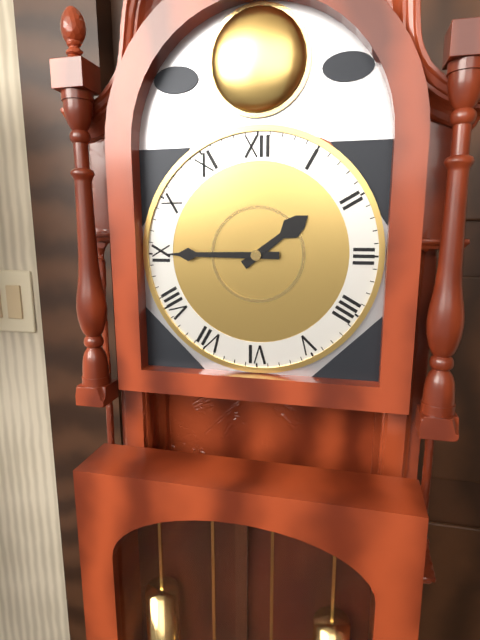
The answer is 1h45
